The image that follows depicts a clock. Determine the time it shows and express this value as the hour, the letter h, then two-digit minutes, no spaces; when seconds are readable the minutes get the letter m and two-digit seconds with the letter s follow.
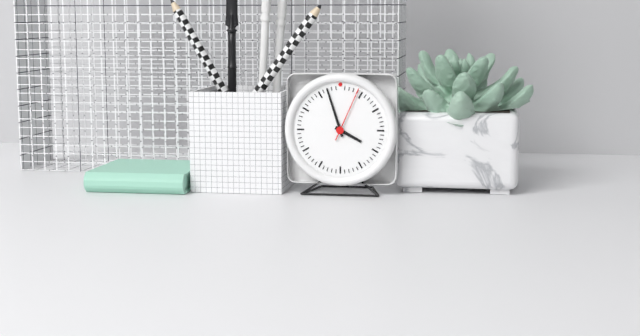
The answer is 3h57m04s
